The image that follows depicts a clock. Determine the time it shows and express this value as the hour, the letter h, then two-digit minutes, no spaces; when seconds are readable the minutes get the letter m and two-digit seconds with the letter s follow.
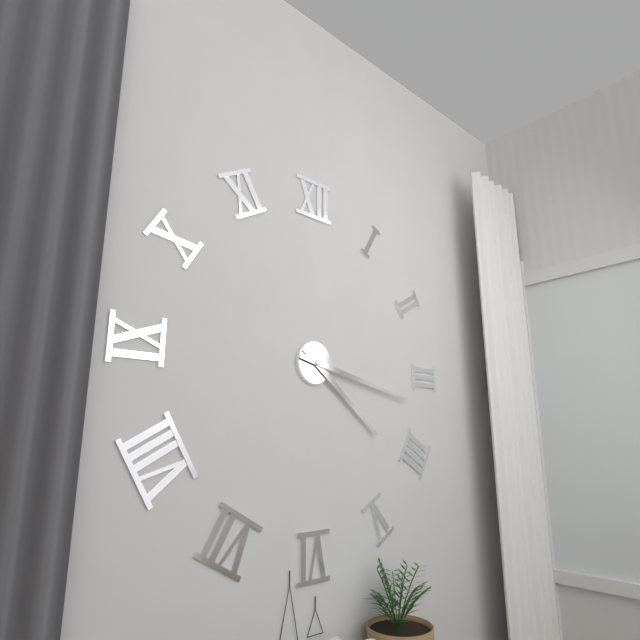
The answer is 4h17
